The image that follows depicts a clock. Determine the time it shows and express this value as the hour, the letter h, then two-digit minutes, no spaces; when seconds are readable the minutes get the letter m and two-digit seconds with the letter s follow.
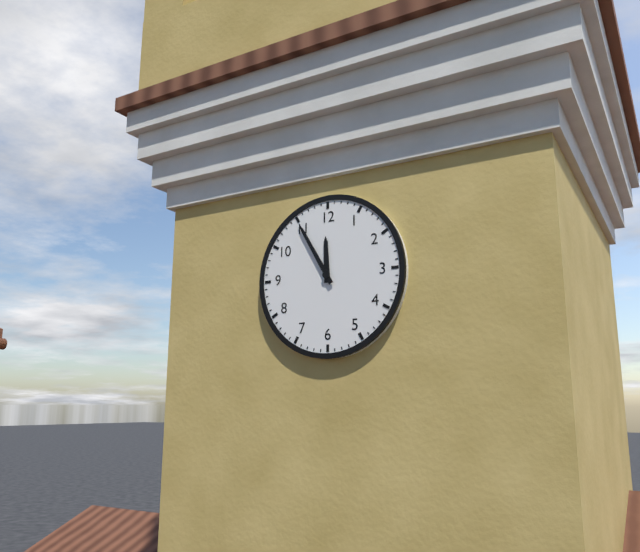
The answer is 11h55
